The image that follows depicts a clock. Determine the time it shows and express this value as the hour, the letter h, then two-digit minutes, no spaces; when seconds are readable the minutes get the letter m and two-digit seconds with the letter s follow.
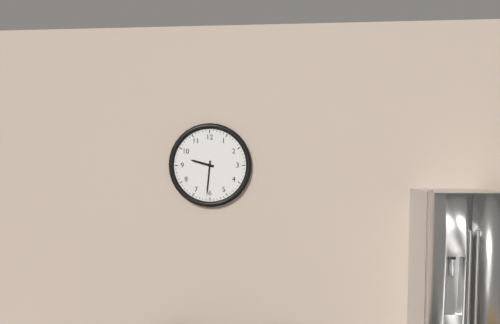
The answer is 9h31
